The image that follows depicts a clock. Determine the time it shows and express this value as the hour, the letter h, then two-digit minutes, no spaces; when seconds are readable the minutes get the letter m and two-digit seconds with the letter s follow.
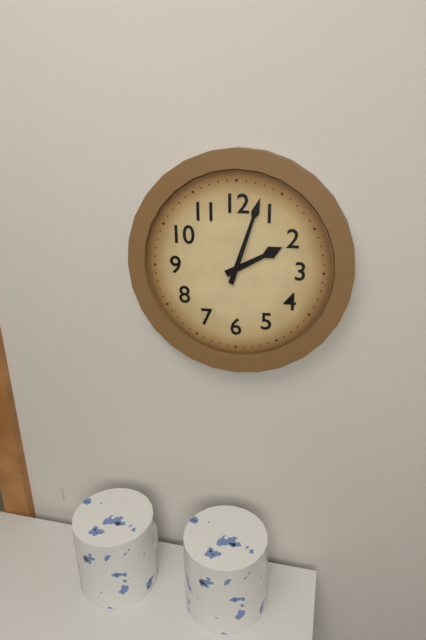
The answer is 2h03
